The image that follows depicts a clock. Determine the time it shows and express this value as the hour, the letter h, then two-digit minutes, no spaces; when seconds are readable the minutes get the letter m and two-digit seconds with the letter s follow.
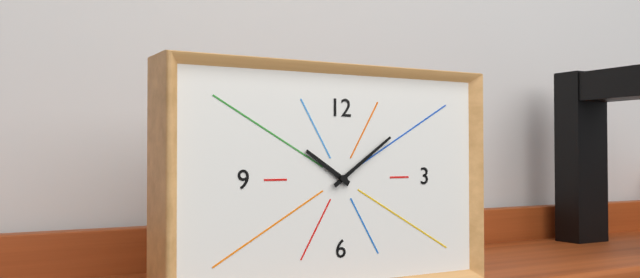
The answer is 10h09
